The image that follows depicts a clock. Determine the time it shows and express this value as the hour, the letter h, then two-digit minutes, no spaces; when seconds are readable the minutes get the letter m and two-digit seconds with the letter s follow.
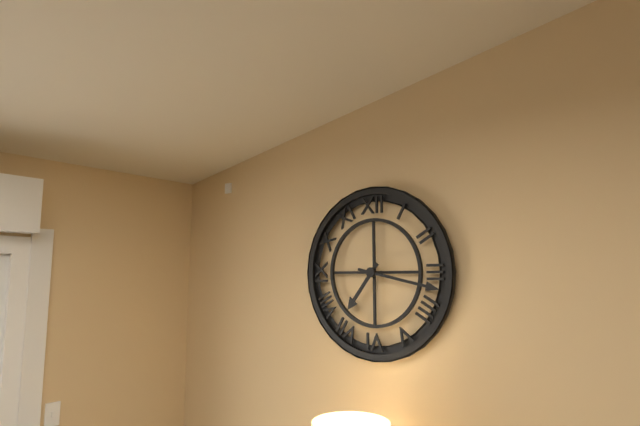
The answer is 7h17
